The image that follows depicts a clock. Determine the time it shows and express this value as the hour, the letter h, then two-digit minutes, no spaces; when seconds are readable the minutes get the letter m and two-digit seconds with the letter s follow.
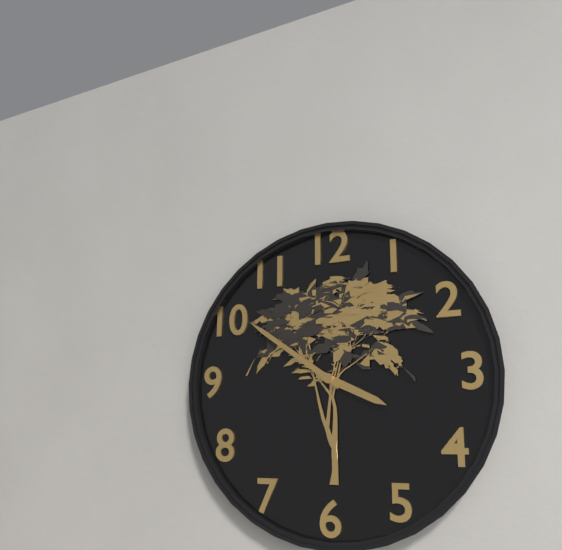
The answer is 3h51
